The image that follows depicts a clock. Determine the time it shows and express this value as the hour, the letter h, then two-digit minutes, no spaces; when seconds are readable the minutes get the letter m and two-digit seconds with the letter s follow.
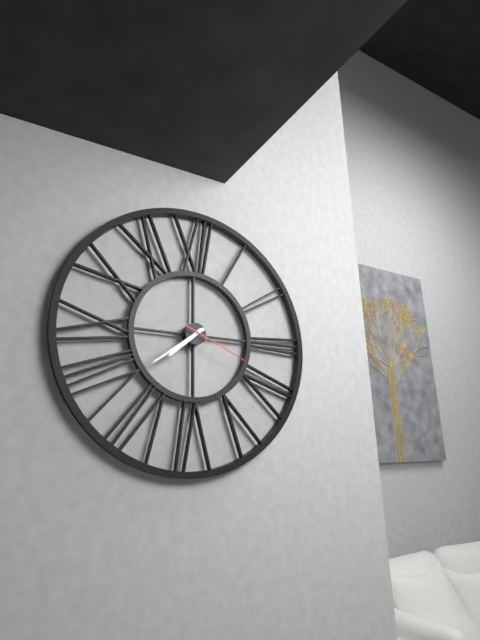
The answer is 7h39m19s
